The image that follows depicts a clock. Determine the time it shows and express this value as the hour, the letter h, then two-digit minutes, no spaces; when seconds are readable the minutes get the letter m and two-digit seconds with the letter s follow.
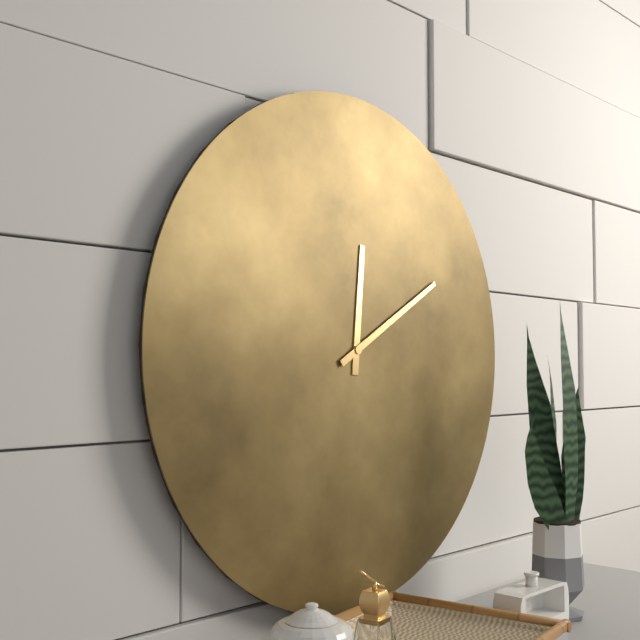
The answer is 12h10
